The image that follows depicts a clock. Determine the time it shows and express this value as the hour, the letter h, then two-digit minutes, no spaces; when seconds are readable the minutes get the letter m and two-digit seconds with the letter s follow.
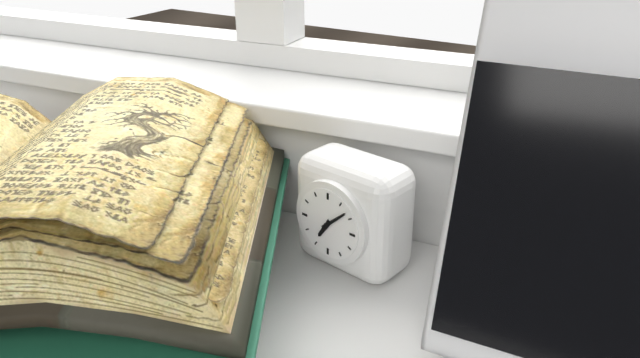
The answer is 7h08
